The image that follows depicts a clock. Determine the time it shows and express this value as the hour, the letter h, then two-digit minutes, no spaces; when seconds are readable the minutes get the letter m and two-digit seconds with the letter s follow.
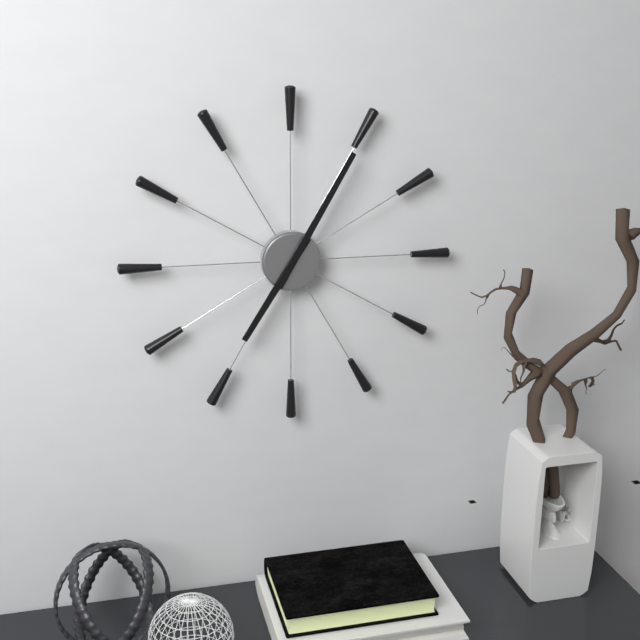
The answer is 7h05
